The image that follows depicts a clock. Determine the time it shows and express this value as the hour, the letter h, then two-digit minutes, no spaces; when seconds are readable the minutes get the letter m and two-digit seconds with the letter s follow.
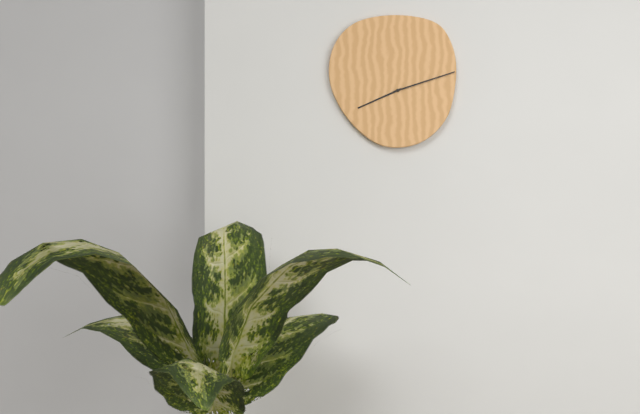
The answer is 8h12
